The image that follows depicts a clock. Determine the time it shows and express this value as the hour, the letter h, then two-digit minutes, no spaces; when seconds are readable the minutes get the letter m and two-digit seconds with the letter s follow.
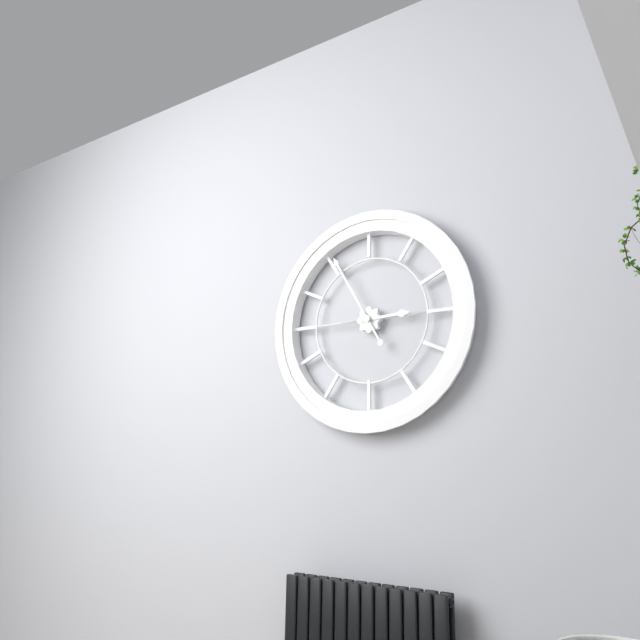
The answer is 2h55
